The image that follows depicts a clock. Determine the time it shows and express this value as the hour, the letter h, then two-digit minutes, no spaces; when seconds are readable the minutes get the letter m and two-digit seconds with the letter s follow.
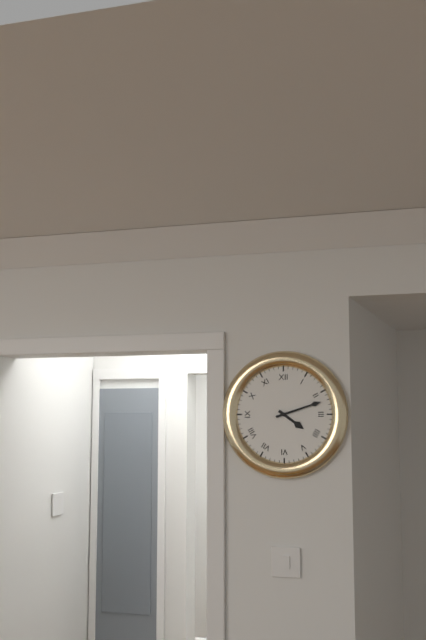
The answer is 4h12
